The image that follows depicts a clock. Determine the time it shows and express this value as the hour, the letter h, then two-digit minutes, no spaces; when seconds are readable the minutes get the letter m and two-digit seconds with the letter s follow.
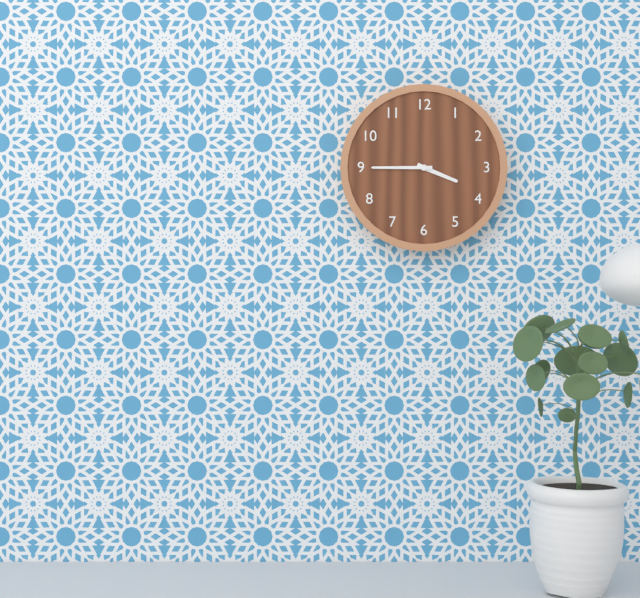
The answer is 3h45
